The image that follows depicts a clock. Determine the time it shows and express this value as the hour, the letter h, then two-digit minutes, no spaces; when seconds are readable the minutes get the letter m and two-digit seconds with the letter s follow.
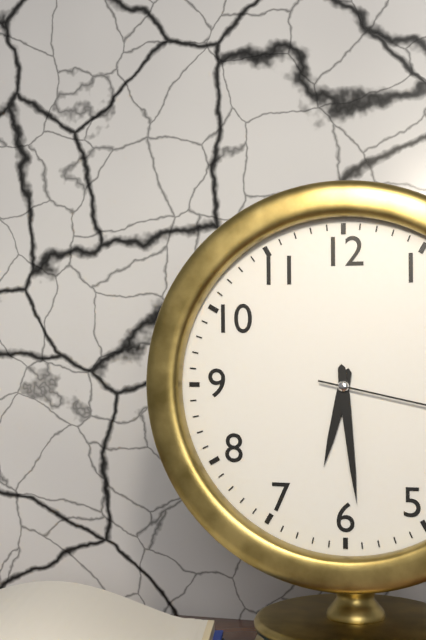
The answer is 6h29
